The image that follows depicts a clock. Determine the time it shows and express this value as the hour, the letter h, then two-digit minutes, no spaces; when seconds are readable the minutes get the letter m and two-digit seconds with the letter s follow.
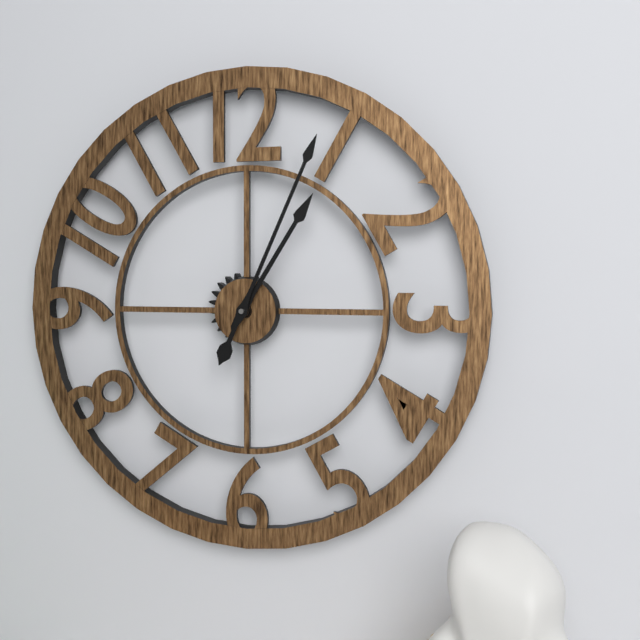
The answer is 1h04
